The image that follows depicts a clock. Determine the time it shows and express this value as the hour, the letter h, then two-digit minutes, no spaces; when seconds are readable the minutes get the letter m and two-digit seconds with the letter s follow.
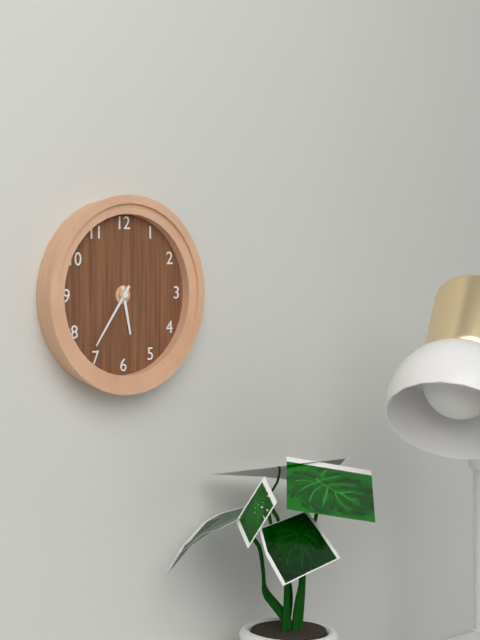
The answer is 5h36
